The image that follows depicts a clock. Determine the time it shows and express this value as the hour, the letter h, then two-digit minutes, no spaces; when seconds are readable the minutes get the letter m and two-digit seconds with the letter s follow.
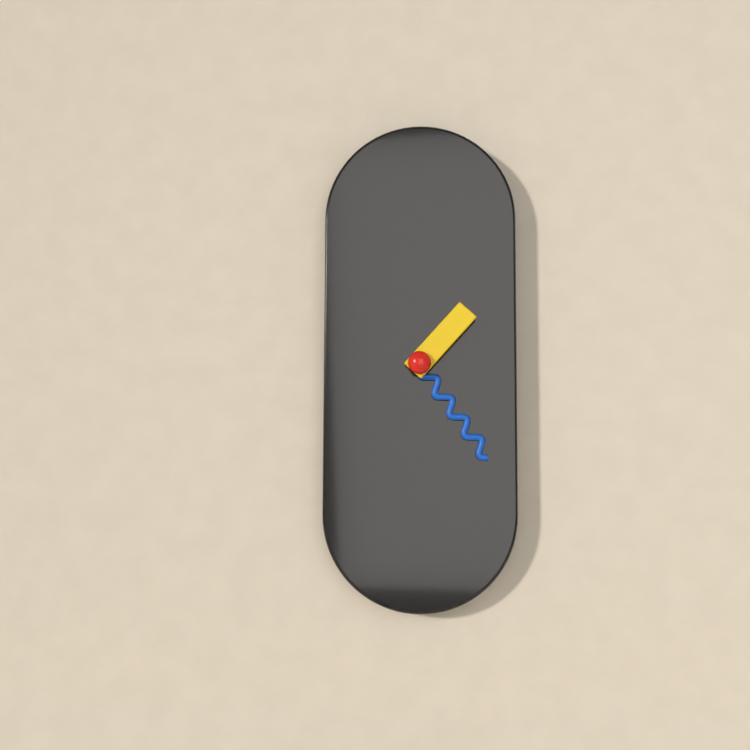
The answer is 1h24
